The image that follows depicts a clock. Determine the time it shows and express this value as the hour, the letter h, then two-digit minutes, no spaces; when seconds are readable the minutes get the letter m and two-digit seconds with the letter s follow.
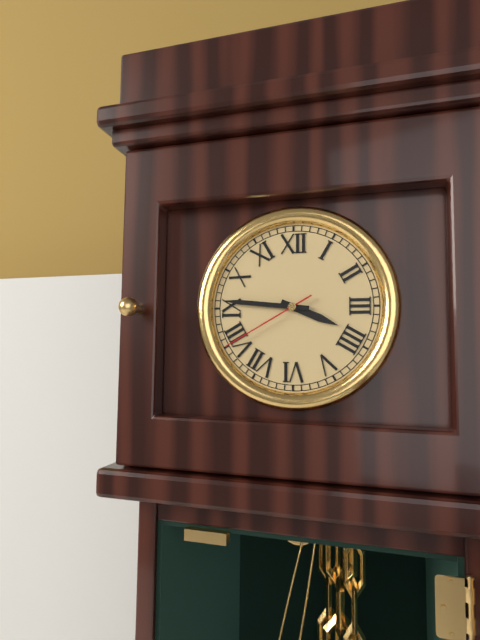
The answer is 3h46m40s
